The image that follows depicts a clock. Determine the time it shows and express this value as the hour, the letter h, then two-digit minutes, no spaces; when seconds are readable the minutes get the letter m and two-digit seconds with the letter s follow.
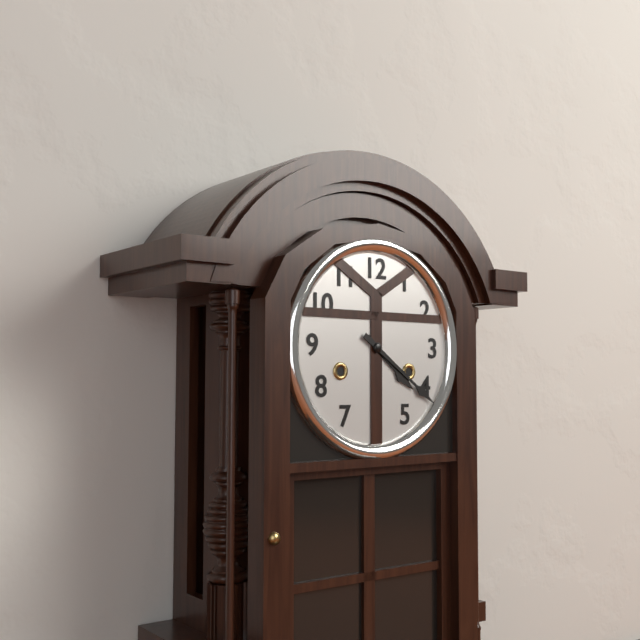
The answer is 4h21
